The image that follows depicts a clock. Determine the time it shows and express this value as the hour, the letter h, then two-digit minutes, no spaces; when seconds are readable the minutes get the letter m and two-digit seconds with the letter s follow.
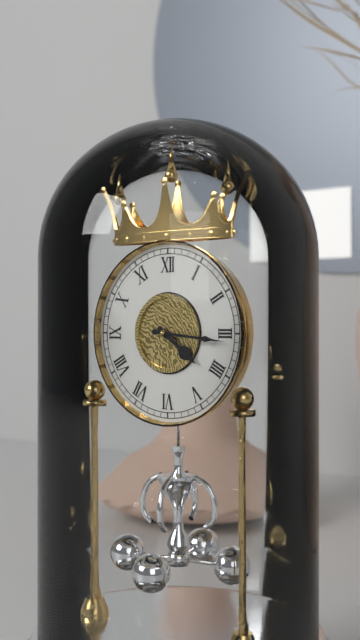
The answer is 4h16
